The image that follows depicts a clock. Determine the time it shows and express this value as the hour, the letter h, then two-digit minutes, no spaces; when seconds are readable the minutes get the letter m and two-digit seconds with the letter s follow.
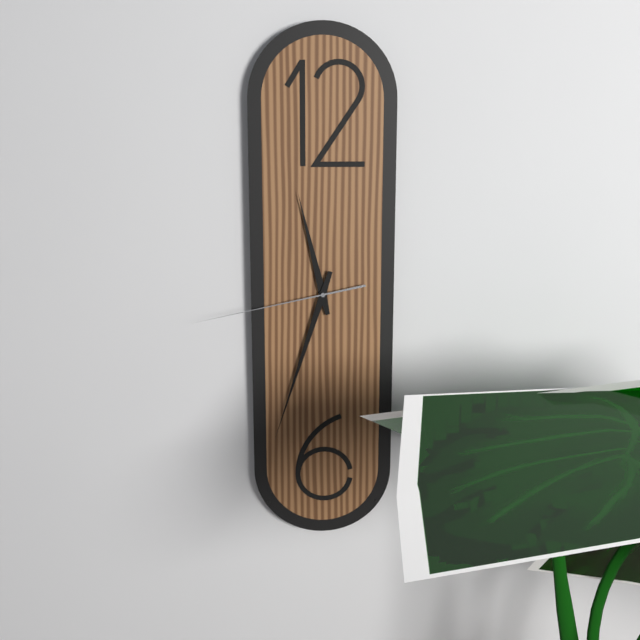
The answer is 11h33m43s
